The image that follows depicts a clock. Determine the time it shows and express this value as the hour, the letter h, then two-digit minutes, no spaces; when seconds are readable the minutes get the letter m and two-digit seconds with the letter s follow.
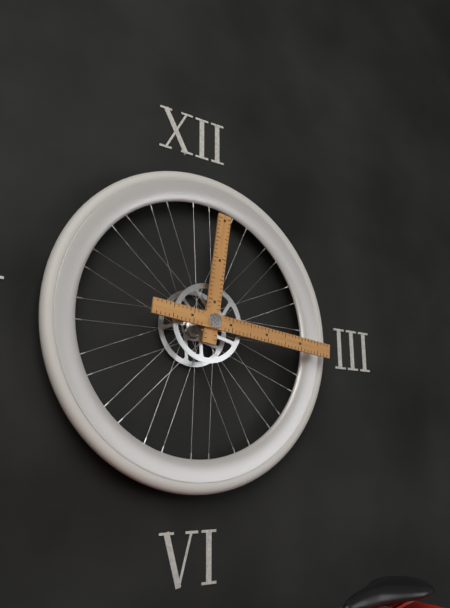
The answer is 12h16
